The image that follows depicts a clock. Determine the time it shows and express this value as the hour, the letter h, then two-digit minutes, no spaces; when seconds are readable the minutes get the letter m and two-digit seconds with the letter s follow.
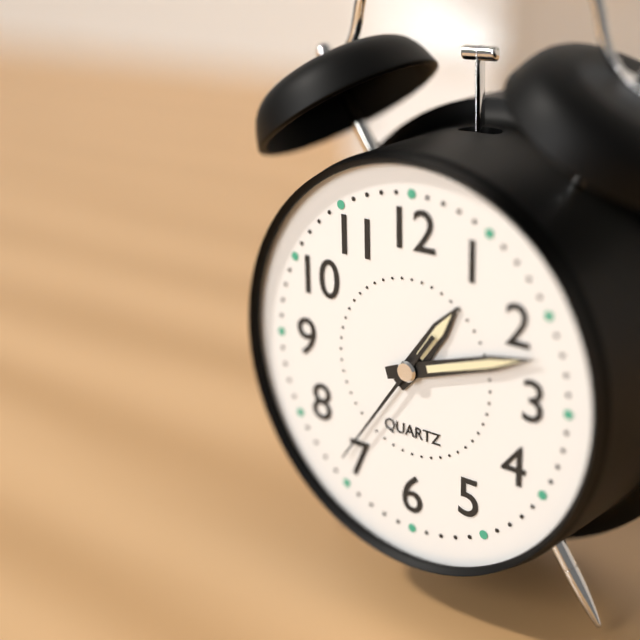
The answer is 1h12m36s
